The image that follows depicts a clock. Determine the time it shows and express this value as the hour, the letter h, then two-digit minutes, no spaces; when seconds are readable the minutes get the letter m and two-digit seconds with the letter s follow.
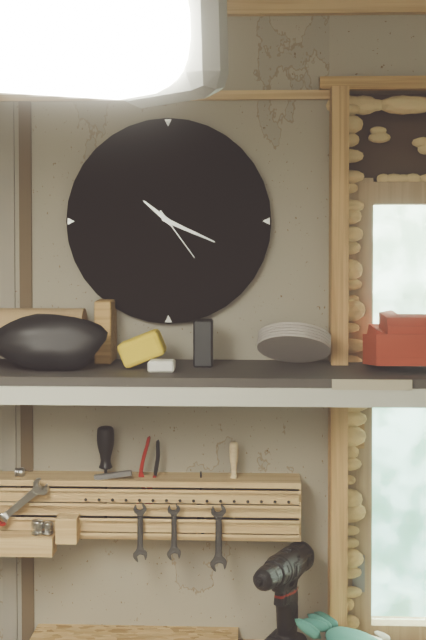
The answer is 10h19m24s
